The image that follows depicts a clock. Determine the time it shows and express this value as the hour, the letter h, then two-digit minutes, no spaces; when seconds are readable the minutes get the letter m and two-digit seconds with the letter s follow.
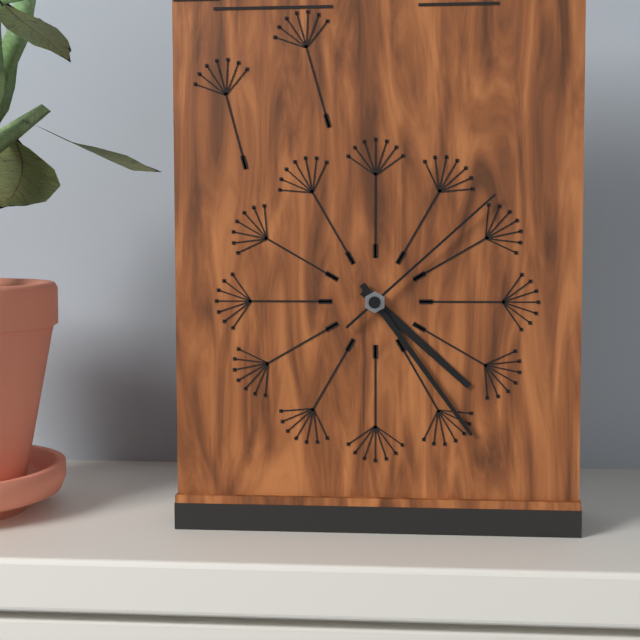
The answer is 4h24m08s
